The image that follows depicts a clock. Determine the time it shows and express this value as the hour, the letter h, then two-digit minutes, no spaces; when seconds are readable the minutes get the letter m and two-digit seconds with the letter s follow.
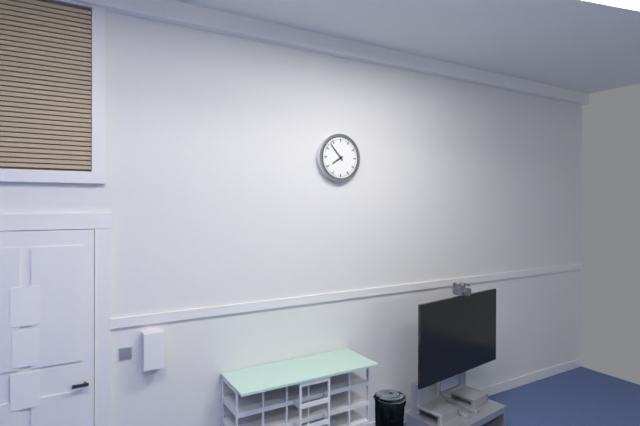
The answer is 7h53
